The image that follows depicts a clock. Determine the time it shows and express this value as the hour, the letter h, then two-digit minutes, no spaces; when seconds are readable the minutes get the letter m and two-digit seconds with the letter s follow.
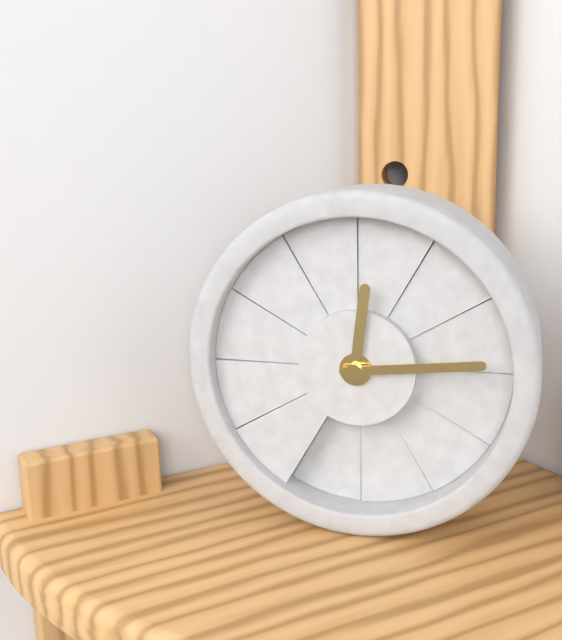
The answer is 12h14
